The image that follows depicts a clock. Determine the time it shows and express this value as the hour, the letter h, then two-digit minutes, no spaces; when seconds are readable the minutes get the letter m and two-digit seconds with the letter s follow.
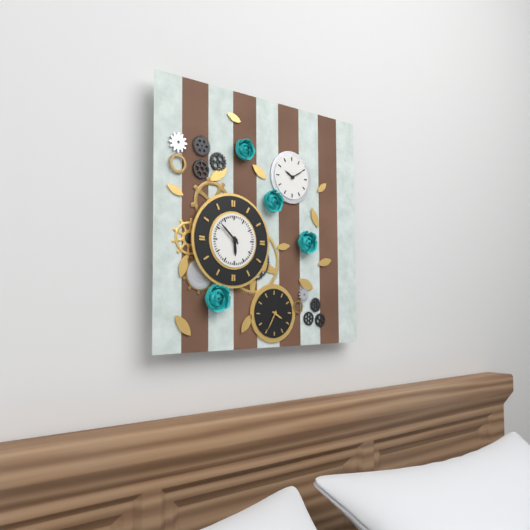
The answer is 5h52
